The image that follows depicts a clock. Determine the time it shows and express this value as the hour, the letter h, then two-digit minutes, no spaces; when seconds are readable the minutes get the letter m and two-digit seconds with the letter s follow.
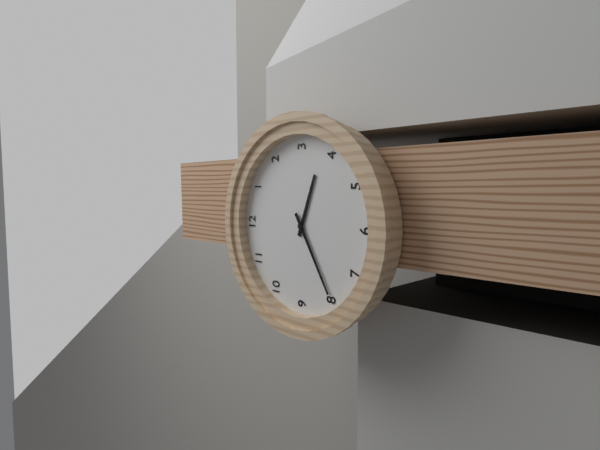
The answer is 3h40
